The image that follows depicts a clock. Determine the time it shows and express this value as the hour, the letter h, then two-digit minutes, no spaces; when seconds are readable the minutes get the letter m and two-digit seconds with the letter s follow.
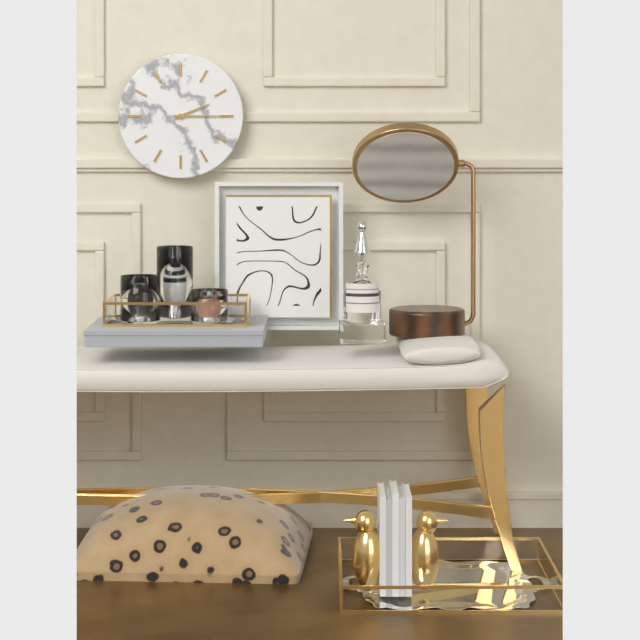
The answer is 2h15
